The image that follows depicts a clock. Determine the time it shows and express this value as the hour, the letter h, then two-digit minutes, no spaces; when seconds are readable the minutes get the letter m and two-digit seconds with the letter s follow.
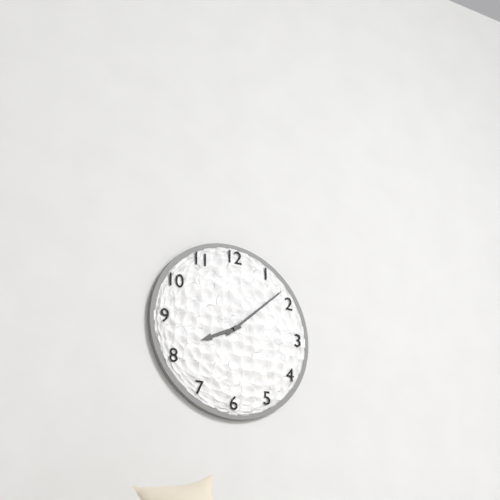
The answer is 8h08
